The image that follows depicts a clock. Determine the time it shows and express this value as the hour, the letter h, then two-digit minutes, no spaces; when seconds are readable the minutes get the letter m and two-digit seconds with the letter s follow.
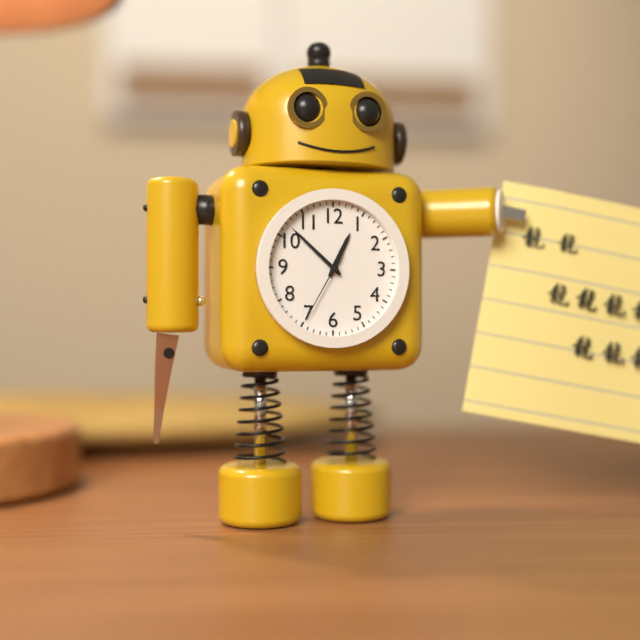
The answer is 12h52m35s
